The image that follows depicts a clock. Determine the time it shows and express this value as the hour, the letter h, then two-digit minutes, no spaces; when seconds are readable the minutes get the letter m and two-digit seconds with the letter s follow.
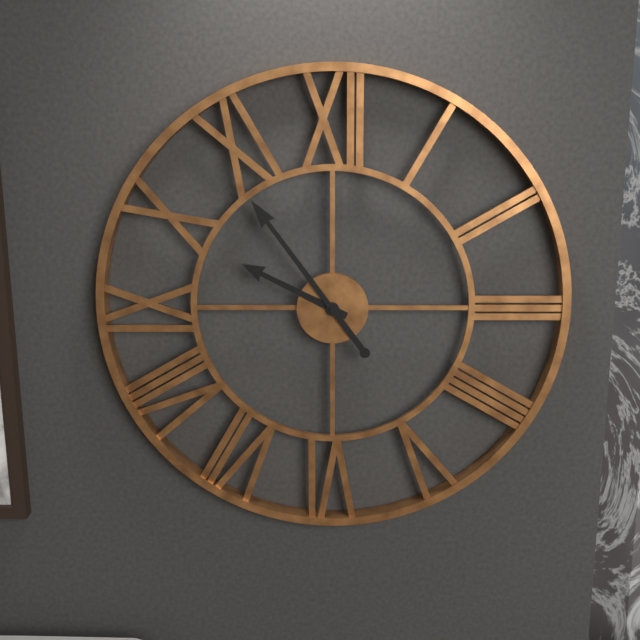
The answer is 9h54
